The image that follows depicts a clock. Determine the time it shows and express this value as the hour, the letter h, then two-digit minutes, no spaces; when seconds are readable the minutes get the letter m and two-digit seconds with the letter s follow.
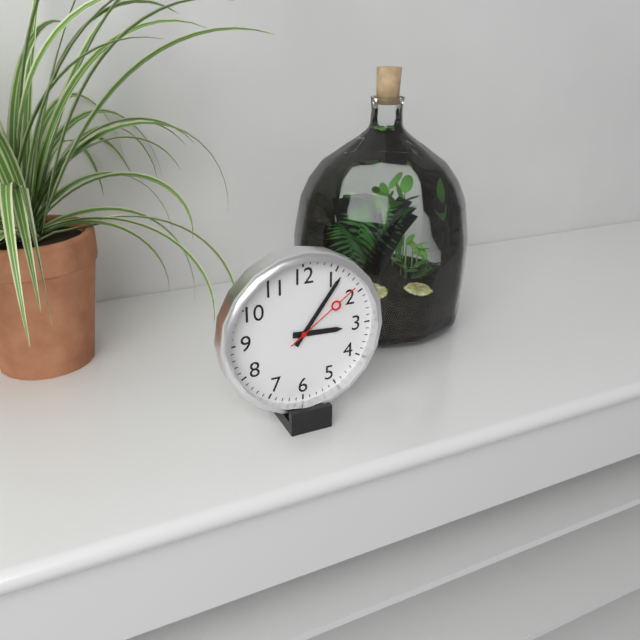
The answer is 3h06m09s
